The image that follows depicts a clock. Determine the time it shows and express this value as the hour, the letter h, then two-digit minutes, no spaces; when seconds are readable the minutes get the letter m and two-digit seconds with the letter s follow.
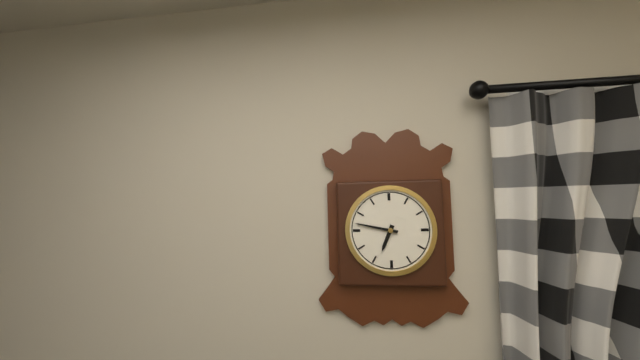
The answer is 6h47
